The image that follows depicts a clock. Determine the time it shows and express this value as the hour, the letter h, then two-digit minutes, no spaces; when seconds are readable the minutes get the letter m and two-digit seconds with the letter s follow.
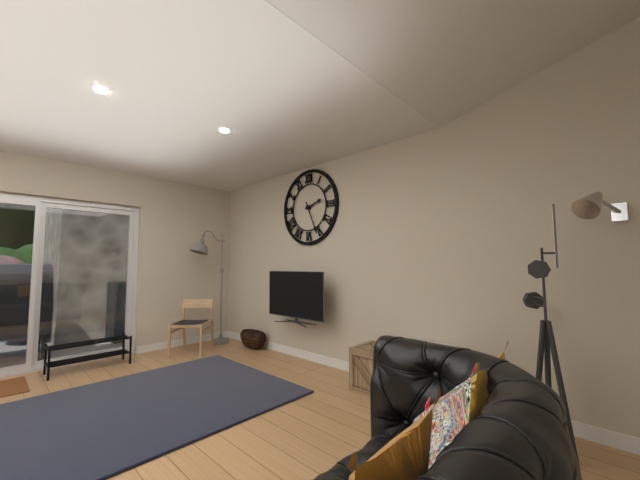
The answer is 2h26
